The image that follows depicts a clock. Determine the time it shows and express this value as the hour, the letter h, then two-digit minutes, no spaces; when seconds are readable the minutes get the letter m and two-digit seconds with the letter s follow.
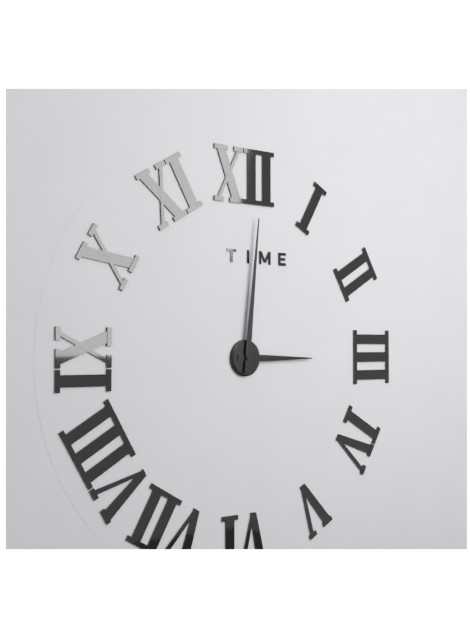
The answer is 3h01
